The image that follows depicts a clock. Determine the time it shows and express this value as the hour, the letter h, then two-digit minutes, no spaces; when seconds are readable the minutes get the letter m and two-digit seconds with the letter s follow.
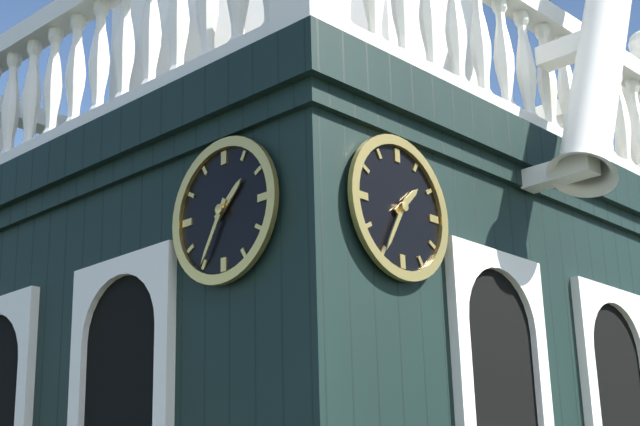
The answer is 1h35
